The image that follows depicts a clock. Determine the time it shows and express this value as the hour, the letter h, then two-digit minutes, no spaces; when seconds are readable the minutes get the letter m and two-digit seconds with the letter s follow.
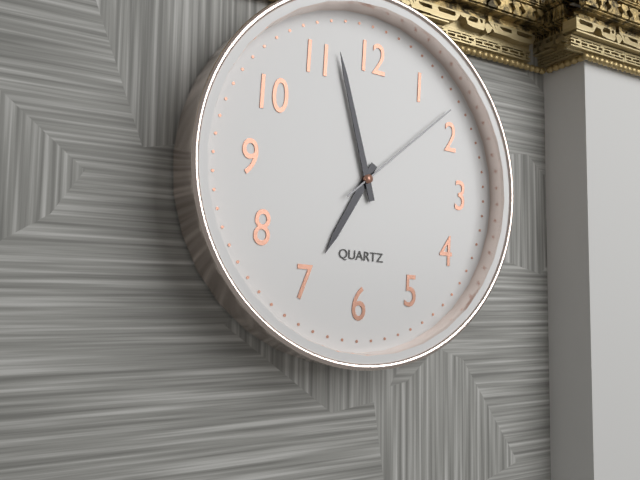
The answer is 6h57m08s
